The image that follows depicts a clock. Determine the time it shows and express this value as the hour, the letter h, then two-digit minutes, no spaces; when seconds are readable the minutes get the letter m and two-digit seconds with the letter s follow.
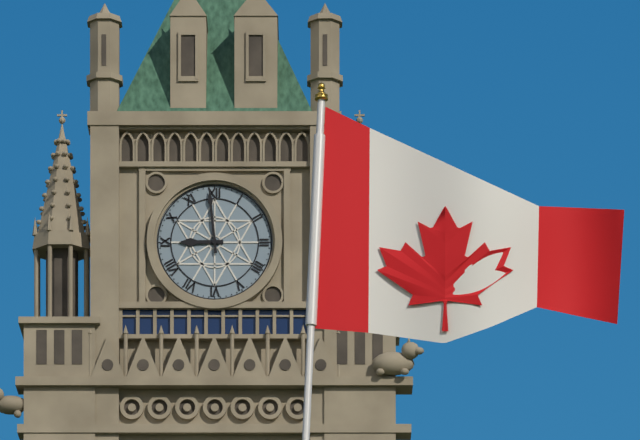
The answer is 8h59
